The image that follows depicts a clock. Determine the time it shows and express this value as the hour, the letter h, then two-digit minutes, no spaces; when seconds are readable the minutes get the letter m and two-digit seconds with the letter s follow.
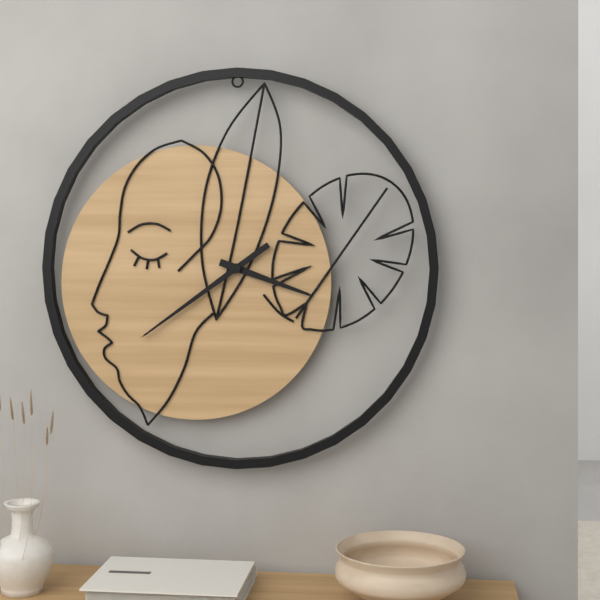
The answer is 3h39
